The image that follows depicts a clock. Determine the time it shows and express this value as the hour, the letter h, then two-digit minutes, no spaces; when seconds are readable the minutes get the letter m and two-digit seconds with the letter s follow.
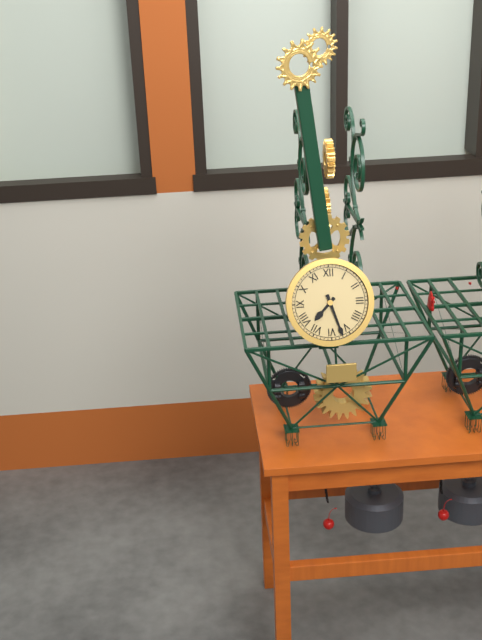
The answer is 7h27
